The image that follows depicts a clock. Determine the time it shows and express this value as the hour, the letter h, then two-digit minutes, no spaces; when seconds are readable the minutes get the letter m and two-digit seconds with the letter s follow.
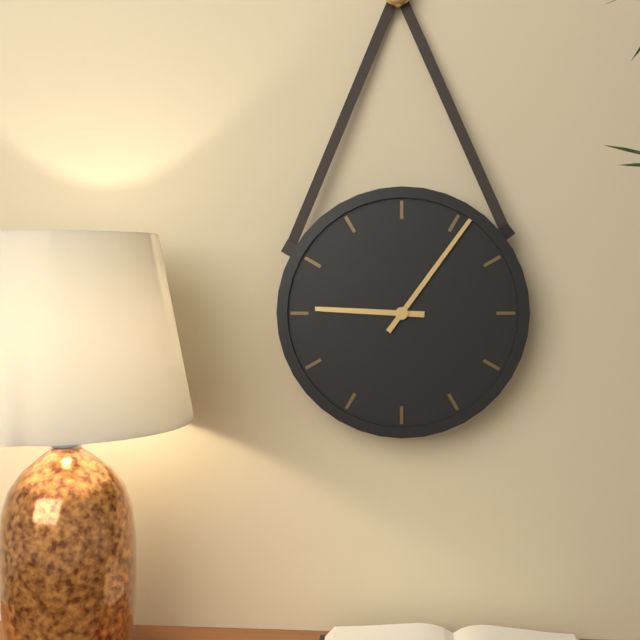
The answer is 9h06
